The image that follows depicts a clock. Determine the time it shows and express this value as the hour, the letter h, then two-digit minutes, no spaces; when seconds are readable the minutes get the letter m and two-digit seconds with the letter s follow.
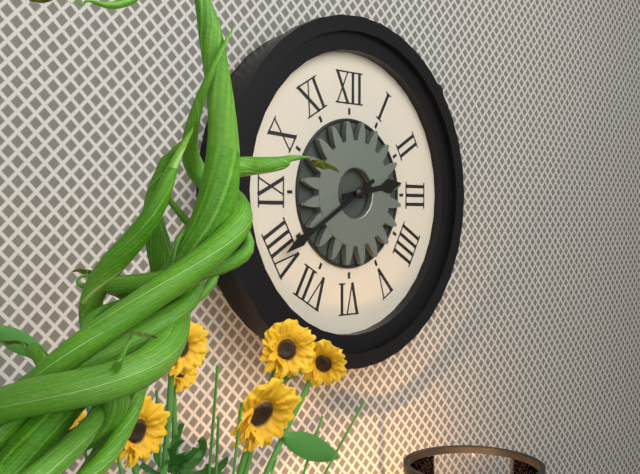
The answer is 2h40
